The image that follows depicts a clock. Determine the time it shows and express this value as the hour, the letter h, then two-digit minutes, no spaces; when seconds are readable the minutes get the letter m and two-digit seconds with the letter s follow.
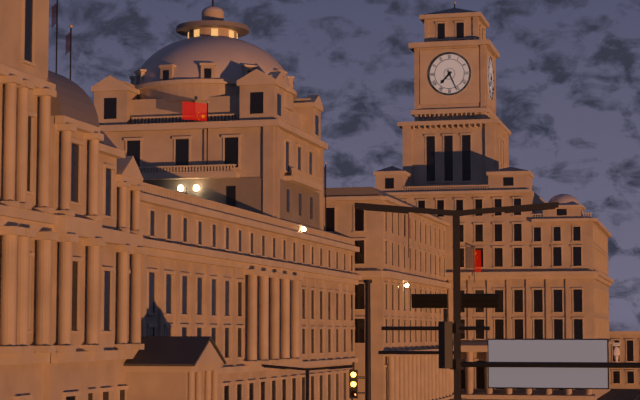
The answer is 7h26
